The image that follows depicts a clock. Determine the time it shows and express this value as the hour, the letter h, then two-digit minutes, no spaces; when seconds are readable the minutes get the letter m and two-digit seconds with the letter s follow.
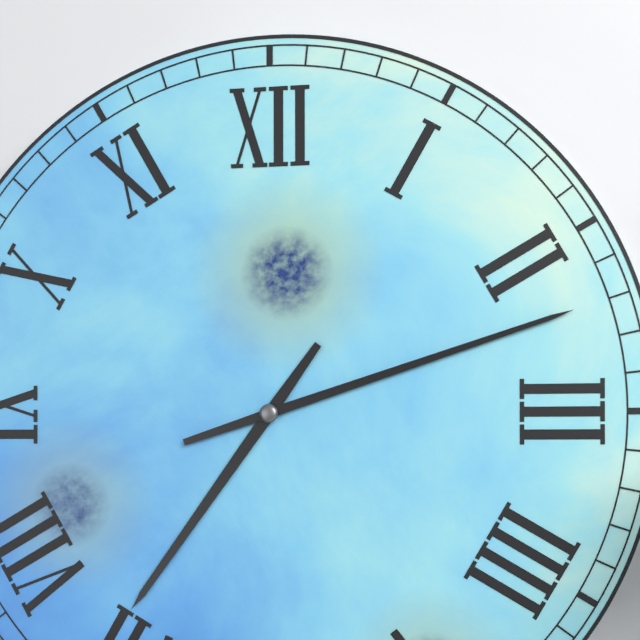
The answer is 7h12
